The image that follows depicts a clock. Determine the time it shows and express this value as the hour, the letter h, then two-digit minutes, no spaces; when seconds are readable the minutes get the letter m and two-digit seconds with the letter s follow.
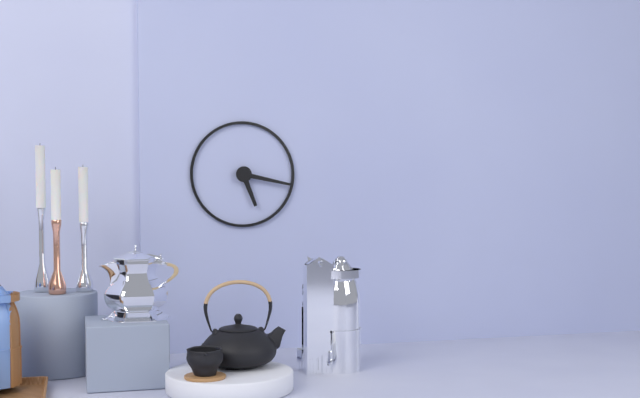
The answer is 5h17
